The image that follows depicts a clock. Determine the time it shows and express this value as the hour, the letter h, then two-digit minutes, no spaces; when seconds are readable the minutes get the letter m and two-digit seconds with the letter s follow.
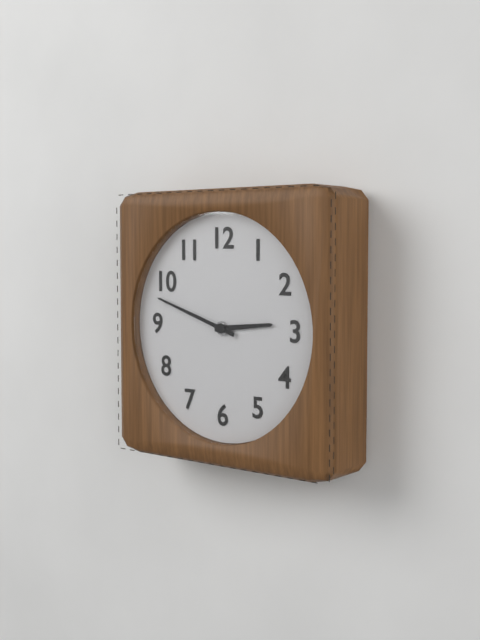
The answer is 2h48
